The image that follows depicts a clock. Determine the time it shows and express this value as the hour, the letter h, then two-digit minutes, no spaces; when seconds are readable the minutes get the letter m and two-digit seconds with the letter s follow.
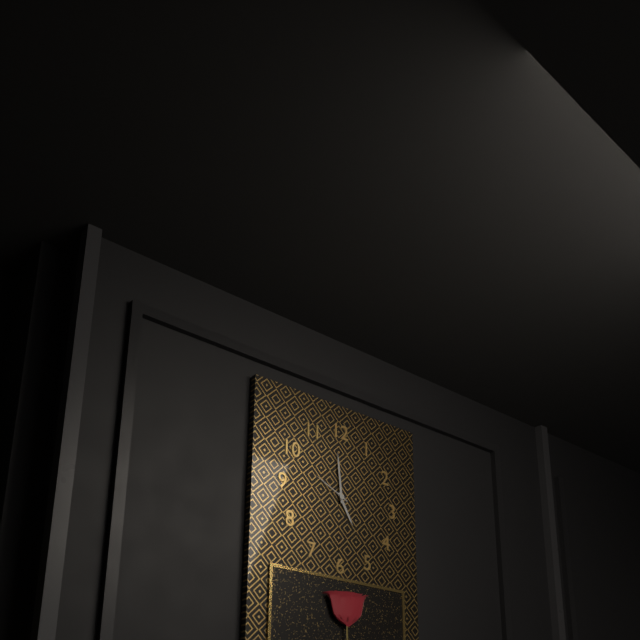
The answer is 4h59
